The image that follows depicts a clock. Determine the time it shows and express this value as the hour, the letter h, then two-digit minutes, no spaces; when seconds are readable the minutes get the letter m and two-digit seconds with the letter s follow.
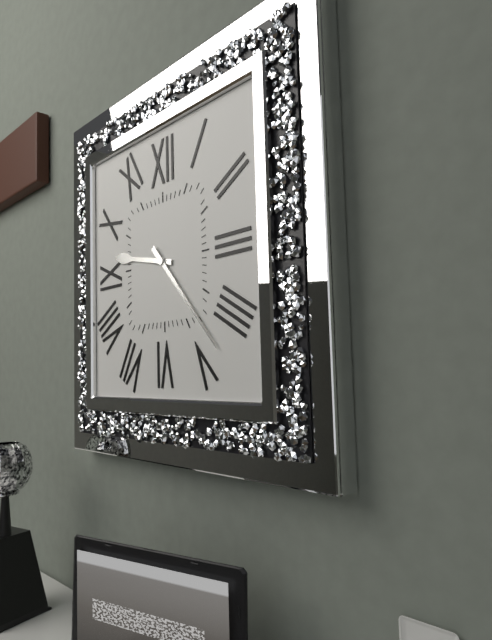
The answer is 9h23
